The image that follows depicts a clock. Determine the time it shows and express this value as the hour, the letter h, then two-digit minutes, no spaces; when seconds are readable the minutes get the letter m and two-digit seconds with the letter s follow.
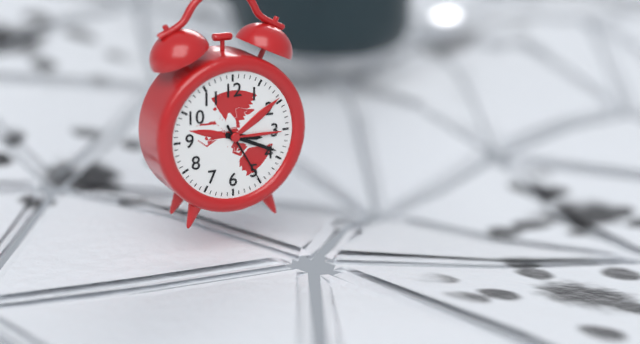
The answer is 3h19m25s
